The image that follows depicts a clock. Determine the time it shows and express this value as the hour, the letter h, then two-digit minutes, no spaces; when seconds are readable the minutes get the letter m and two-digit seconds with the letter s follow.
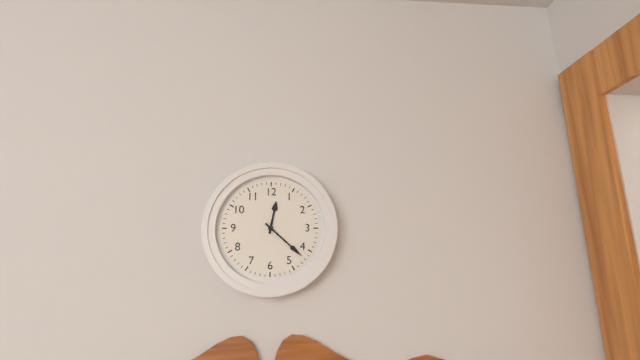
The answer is 12h22
